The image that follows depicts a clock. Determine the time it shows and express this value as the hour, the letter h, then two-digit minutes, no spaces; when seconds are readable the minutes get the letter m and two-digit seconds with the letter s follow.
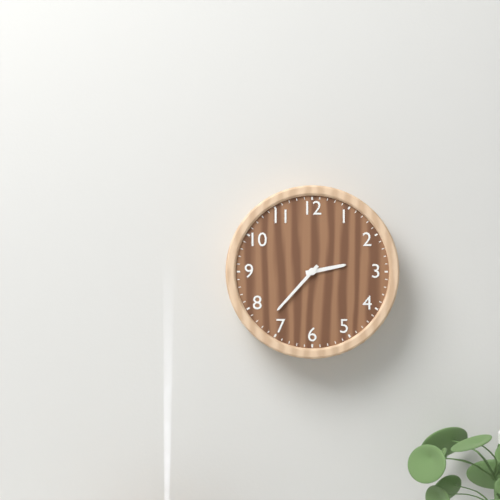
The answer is 2h37
